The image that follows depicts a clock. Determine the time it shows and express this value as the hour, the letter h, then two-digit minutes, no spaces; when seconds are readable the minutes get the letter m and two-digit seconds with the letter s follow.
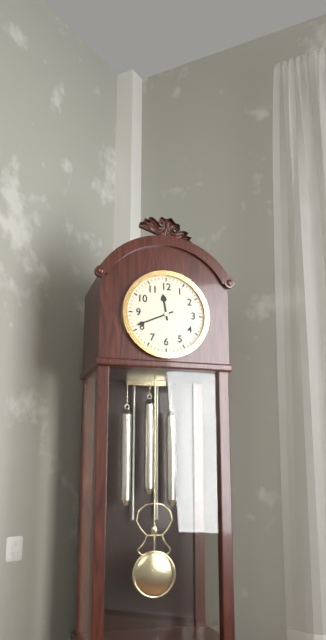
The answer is 11h41
